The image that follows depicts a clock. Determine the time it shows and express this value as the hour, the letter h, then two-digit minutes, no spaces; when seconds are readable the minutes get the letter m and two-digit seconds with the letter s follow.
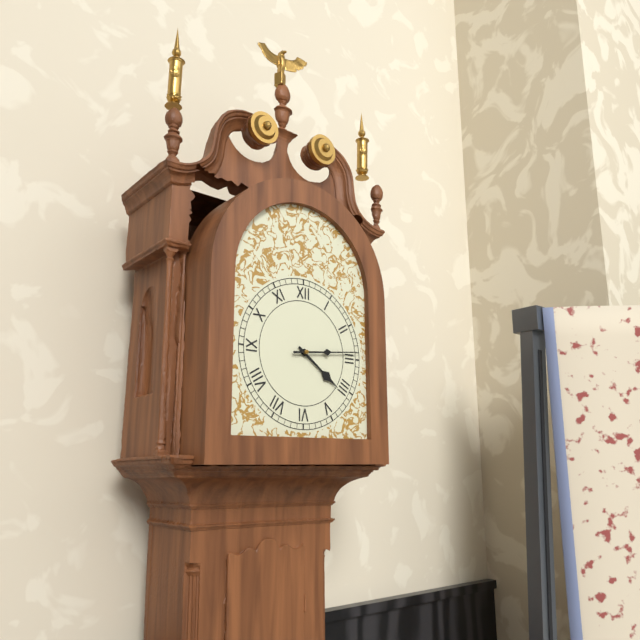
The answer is 4h14
